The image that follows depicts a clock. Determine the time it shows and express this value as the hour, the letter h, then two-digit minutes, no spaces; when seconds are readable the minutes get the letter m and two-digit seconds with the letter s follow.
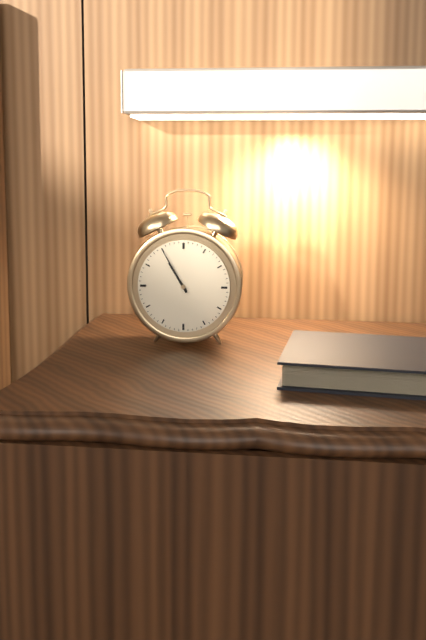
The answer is 10h55
